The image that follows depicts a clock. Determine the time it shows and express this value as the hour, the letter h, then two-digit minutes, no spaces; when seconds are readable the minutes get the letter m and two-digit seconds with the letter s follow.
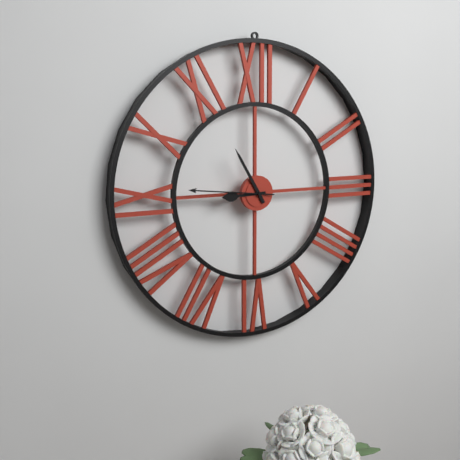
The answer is 8h55m46s
